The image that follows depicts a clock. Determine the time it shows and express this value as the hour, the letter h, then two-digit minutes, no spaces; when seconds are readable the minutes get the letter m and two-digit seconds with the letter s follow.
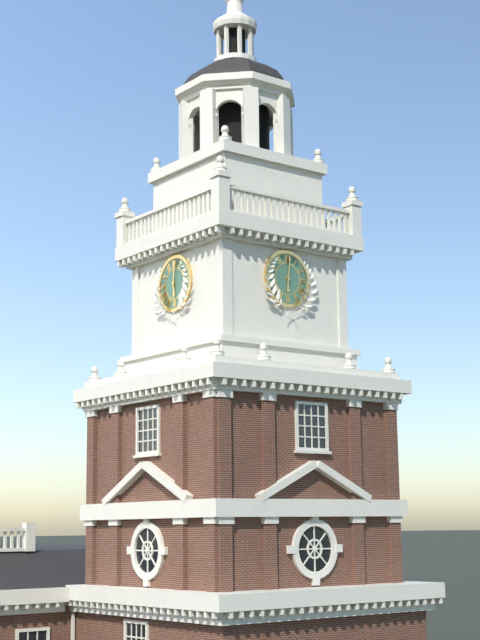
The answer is 6h01
